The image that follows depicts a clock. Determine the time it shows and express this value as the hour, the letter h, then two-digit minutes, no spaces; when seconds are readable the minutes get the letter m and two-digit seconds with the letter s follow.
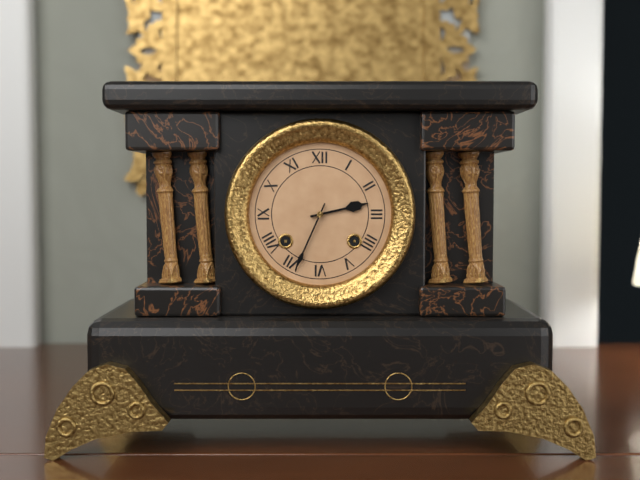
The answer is 2h34
